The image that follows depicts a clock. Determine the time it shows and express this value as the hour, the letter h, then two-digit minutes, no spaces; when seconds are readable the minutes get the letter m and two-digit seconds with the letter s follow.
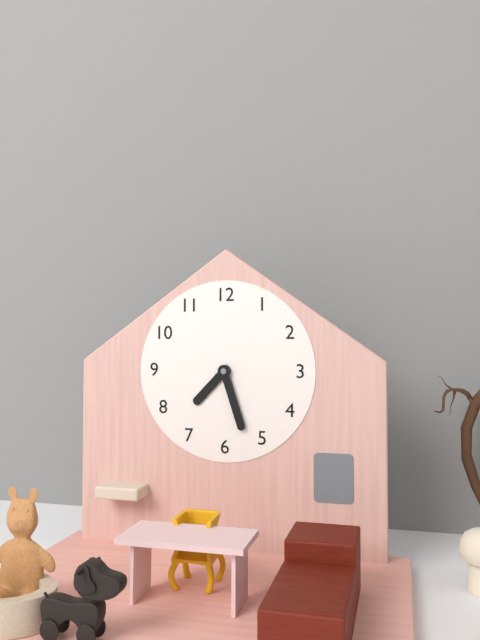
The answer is 7h27
